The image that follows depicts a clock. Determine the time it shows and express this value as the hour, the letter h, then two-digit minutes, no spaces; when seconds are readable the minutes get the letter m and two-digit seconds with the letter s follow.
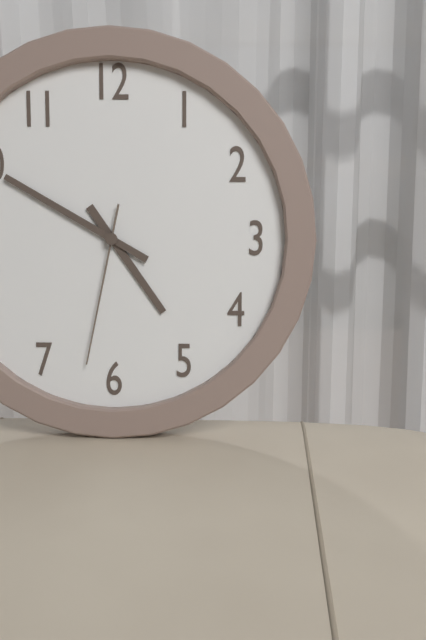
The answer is 4h50m32s
